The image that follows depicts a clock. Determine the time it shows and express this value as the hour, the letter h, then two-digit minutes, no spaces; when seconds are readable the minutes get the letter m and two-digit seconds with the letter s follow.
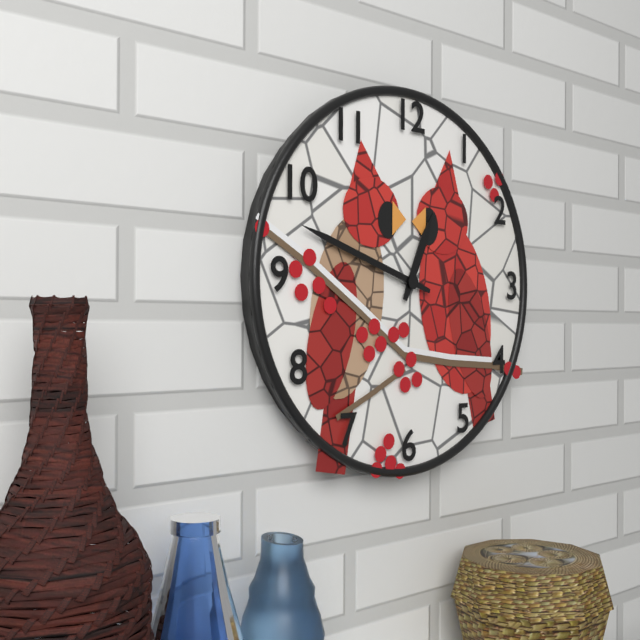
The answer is 12h48
